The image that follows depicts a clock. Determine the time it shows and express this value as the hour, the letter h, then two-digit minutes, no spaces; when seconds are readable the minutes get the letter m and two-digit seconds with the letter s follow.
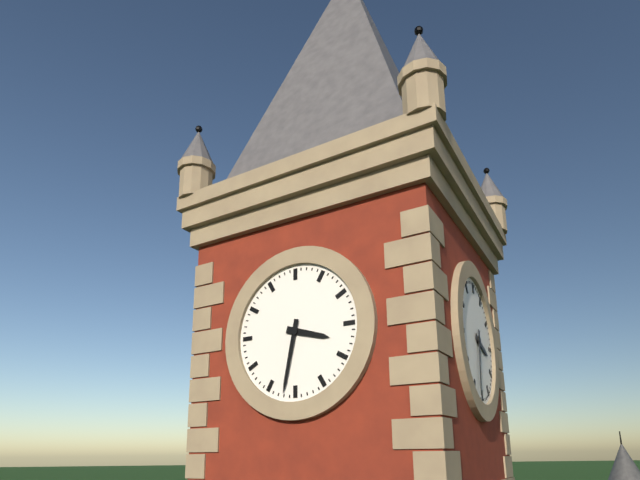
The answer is 3h32
